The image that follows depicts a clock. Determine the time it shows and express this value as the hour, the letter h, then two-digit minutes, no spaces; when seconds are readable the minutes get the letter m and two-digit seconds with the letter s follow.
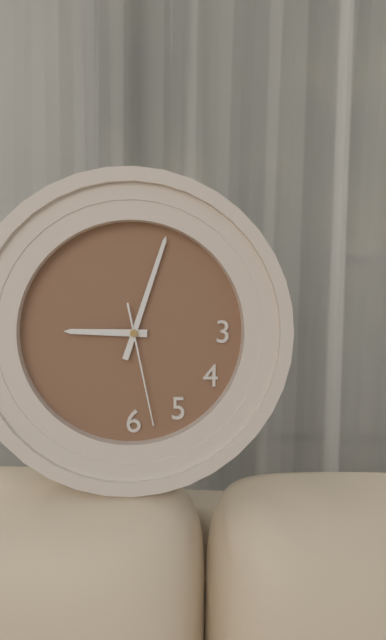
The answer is 9h03m28s
